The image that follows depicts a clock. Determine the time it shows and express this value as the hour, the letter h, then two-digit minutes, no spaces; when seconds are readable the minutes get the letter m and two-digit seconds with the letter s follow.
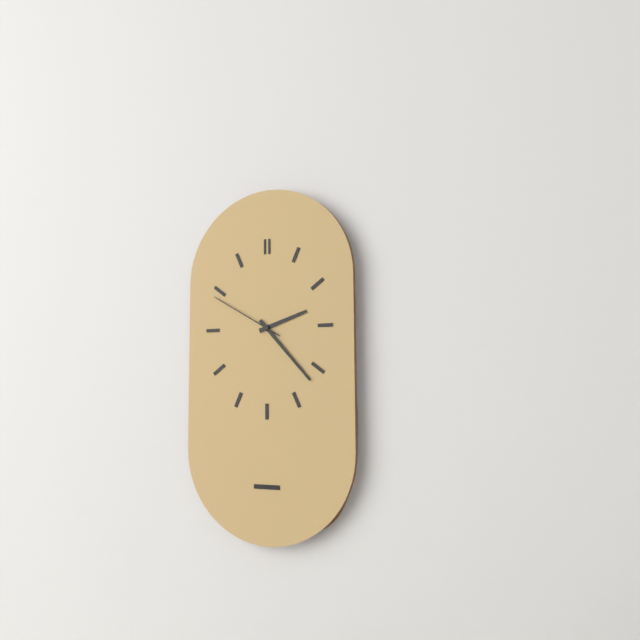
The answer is 2h23m50s
